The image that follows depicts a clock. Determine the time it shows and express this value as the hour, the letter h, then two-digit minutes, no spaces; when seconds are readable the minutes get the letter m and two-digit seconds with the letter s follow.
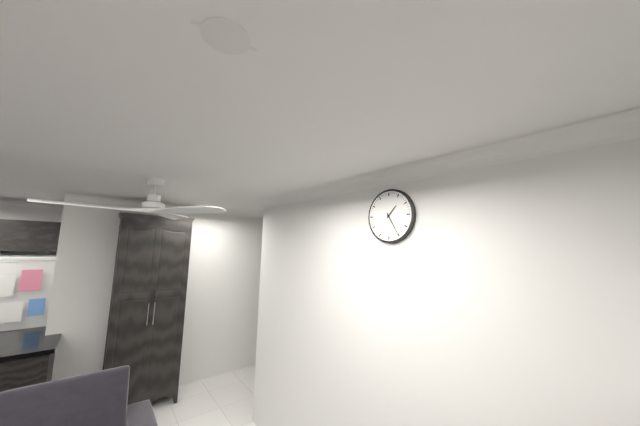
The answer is 1h25
